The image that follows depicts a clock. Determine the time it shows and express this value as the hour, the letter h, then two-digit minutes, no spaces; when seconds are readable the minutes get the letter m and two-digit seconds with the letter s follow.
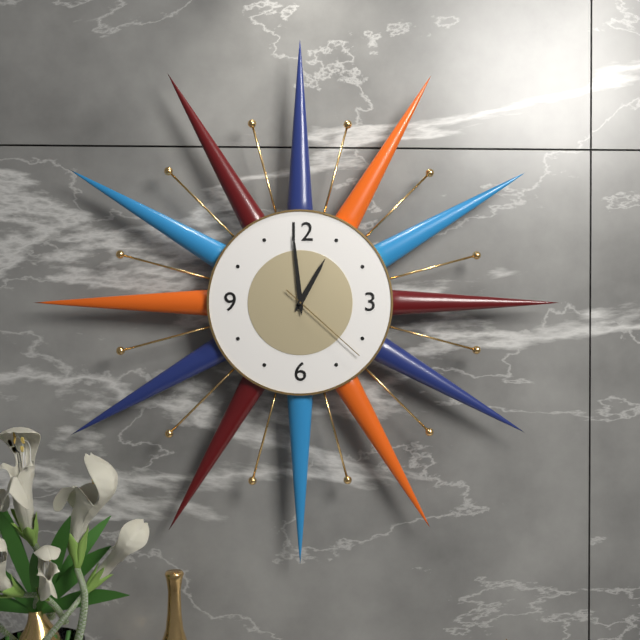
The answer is 12h59m22s
